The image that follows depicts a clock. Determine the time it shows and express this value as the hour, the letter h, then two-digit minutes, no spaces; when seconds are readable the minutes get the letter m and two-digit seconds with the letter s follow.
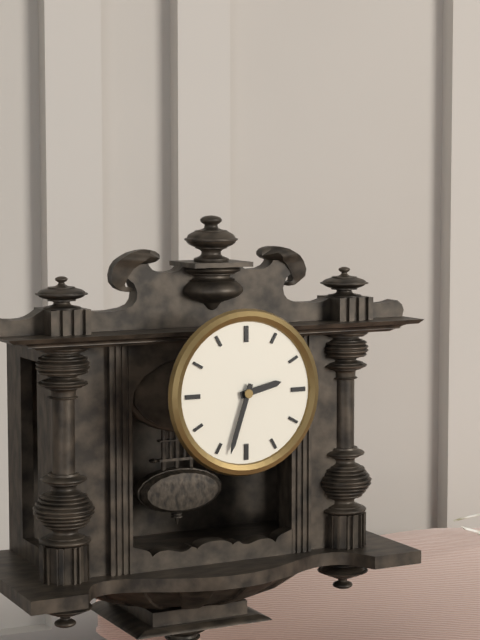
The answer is 2h33
